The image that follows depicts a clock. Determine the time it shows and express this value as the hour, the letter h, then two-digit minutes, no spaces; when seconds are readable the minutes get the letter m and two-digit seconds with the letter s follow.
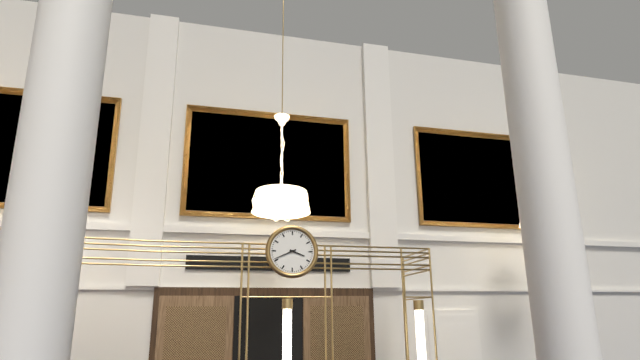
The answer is 3h41
